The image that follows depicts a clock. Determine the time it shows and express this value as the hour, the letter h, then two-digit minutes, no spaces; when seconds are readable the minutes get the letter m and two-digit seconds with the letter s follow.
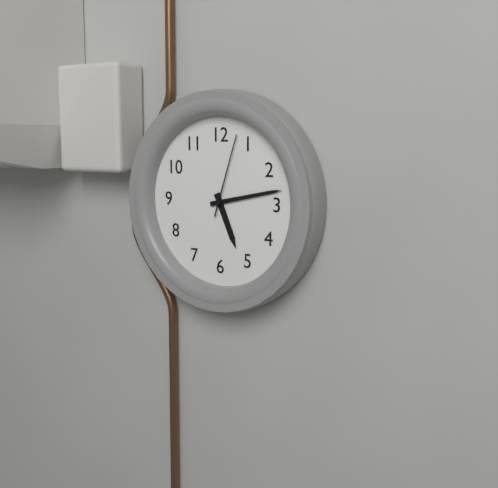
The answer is 5h13m03s
